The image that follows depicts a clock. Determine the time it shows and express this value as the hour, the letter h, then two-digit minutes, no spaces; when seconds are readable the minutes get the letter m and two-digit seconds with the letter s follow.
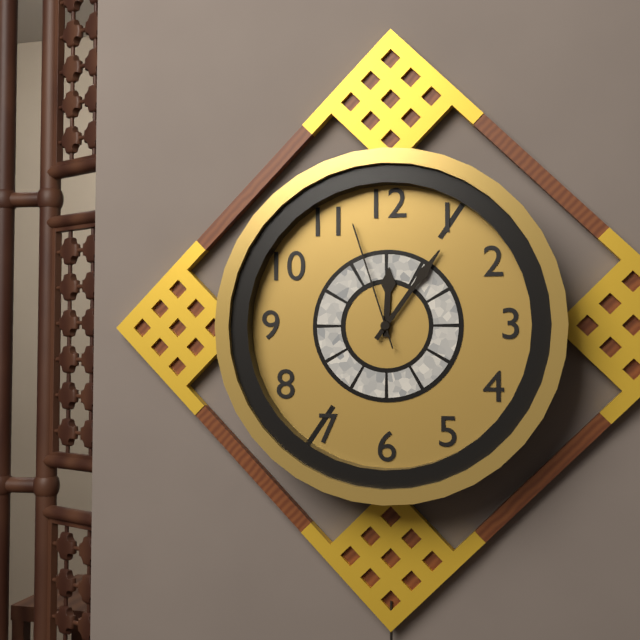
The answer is 12h06m57s
